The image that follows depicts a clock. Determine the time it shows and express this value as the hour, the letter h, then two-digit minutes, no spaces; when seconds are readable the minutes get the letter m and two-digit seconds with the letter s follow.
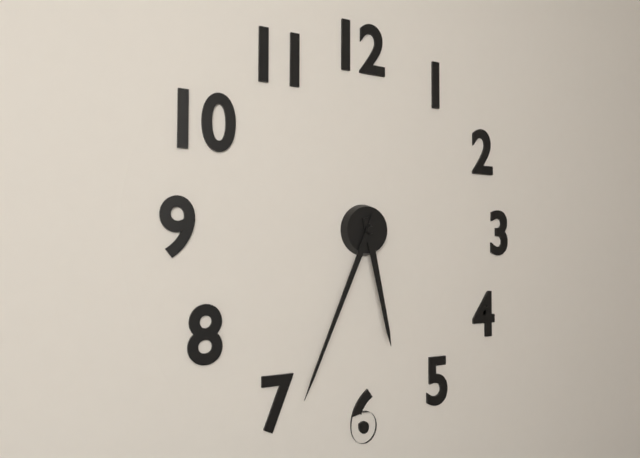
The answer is 5h34
